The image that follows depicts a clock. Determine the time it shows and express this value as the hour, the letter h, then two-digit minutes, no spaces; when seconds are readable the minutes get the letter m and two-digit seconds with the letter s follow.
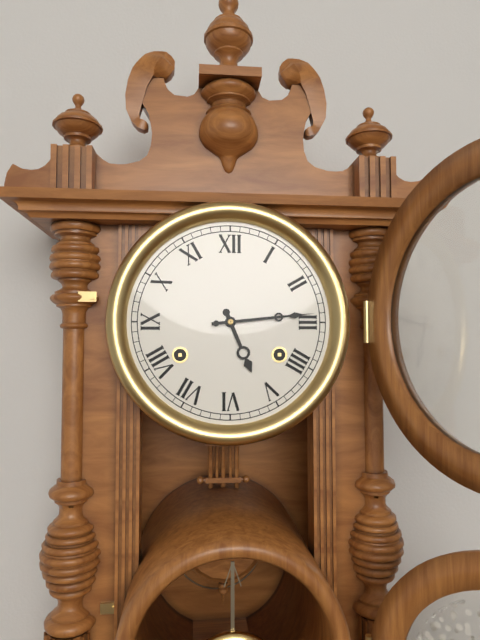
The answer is 5h14
